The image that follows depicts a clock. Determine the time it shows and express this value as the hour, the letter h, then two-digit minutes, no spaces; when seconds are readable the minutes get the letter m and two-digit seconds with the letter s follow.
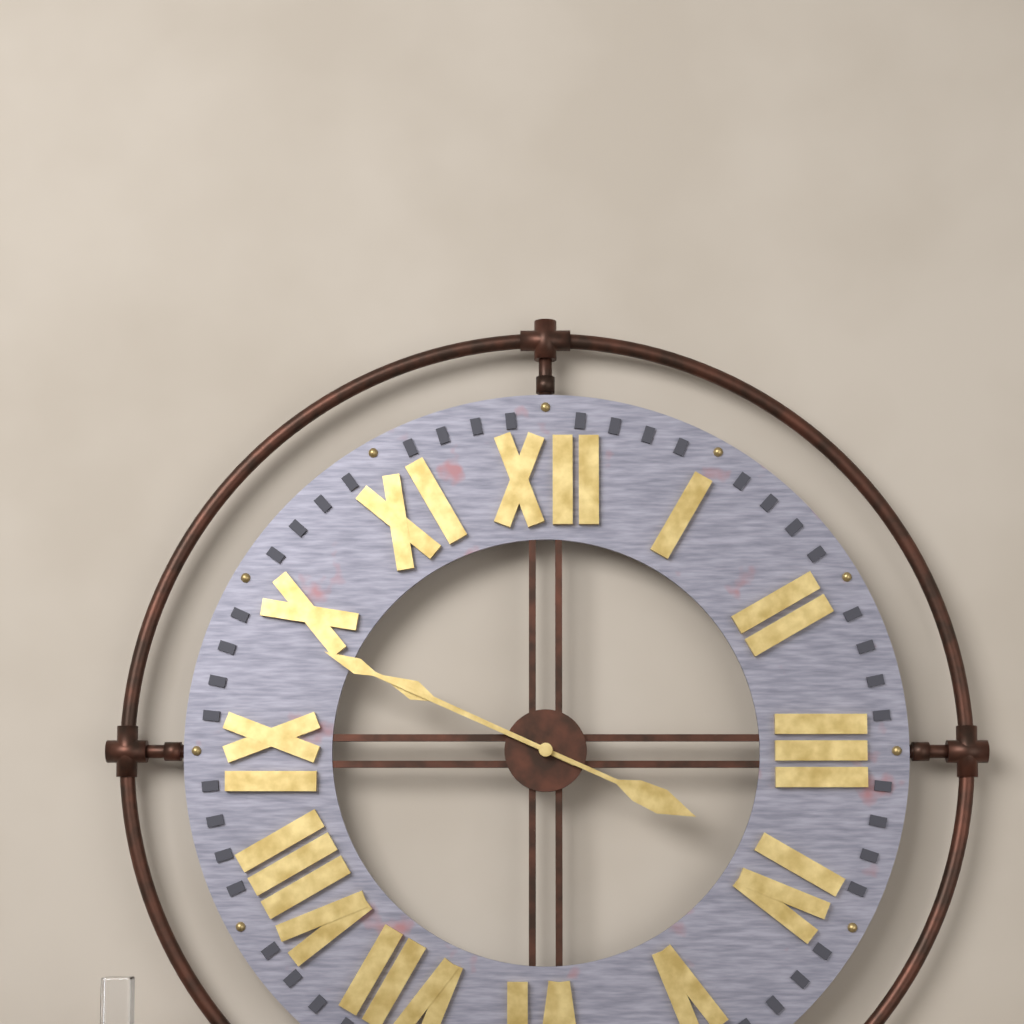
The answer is 9h49
